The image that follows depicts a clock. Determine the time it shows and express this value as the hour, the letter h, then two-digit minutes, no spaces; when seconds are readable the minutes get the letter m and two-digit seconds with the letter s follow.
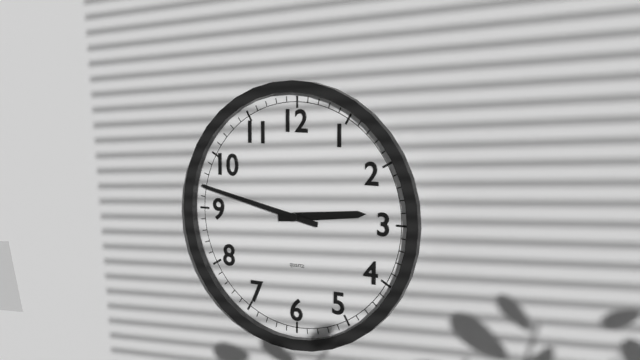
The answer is 2h47
